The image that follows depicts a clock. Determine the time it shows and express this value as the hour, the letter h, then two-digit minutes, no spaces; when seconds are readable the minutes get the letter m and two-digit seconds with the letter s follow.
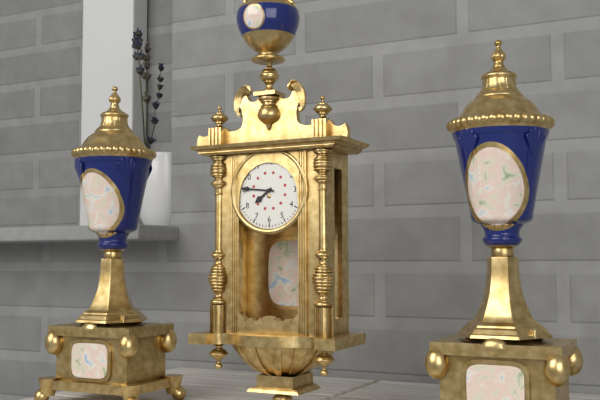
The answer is 7h46
